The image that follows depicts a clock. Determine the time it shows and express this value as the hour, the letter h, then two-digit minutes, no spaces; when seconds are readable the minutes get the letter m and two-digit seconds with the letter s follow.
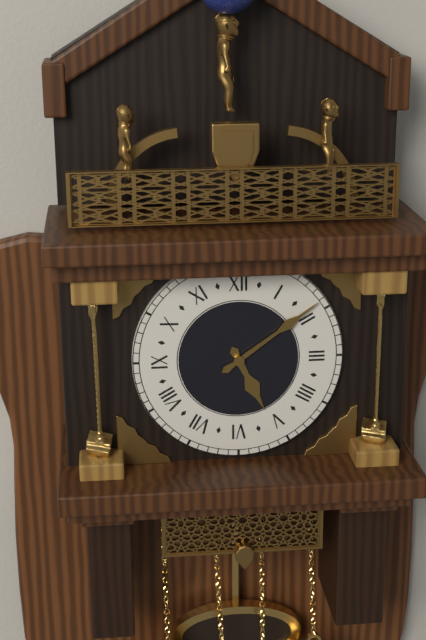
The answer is 5h09
